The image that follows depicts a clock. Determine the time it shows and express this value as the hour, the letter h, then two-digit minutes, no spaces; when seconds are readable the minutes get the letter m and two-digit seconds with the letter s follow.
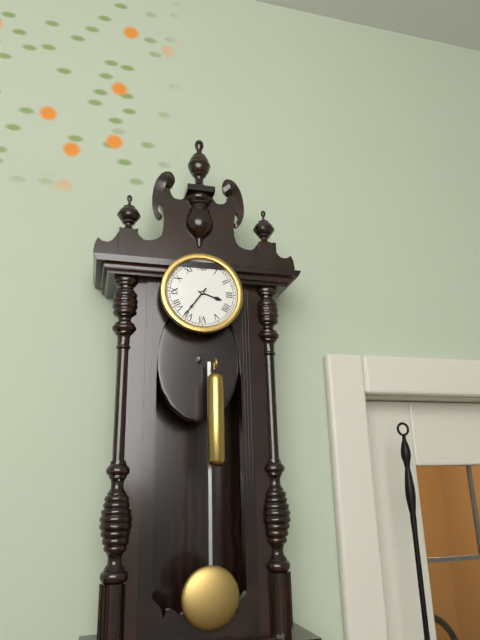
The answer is 3h36
